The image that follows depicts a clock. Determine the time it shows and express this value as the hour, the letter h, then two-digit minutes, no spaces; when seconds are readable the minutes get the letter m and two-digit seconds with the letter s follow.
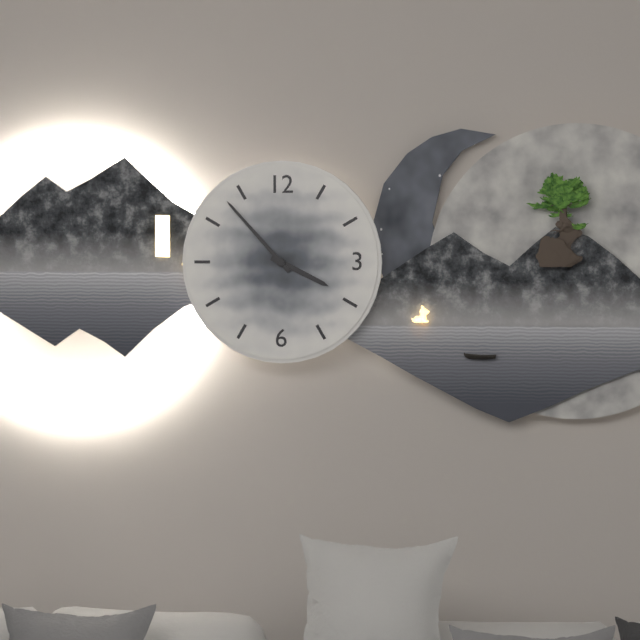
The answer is 3h53
